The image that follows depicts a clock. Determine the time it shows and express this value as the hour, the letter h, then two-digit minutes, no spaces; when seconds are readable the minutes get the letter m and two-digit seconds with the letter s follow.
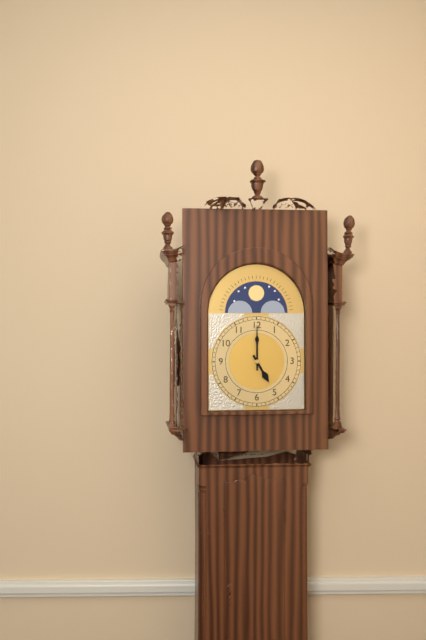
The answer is 5h00
